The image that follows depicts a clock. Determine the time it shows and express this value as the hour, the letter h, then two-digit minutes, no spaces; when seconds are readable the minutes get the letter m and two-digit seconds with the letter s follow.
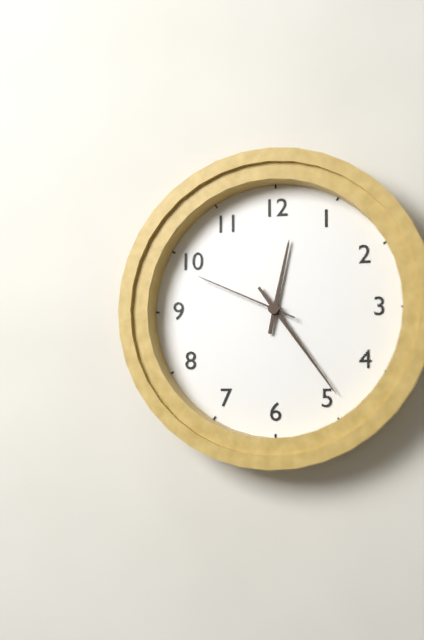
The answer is 12h24m49s
